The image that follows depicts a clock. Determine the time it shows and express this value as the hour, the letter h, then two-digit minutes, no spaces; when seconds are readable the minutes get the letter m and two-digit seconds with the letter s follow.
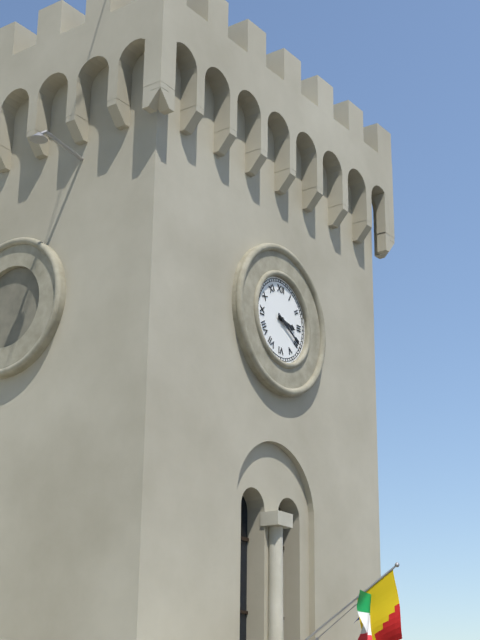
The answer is 3h20
